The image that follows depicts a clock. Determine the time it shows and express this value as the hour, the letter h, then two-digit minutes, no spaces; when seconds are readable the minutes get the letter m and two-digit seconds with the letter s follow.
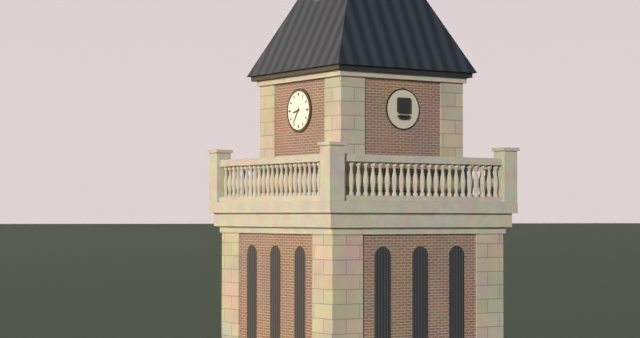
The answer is 8h36
